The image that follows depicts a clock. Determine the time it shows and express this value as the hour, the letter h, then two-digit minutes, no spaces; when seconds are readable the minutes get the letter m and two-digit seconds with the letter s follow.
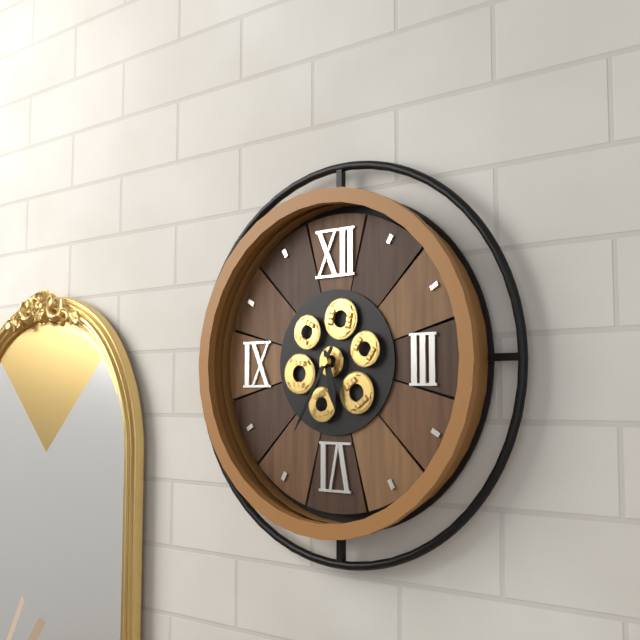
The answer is 5h35
